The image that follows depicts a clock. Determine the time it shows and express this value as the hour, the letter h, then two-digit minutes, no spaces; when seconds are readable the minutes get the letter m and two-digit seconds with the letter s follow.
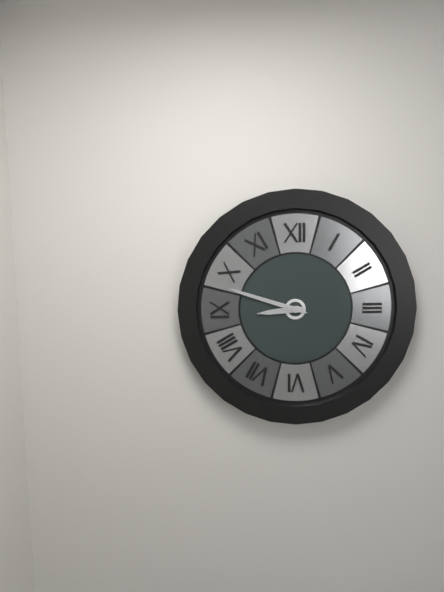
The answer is 8h48
